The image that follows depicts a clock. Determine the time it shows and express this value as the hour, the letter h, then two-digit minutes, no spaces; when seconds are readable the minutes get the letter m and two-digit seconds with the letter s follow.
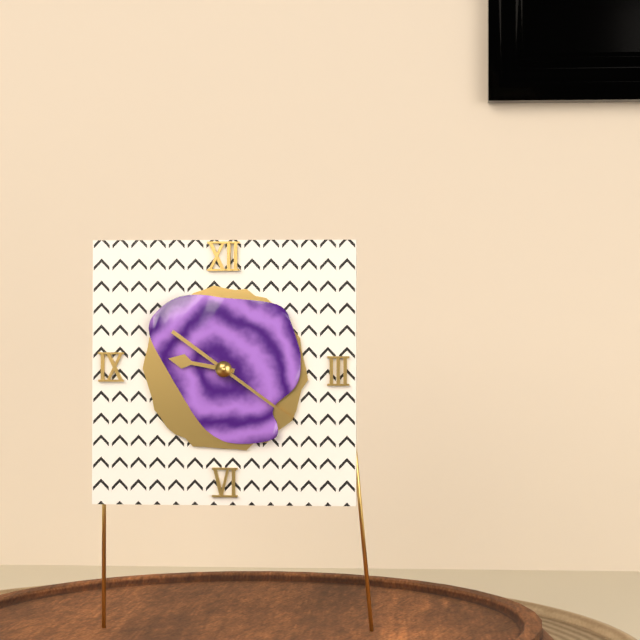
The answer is 9h21
